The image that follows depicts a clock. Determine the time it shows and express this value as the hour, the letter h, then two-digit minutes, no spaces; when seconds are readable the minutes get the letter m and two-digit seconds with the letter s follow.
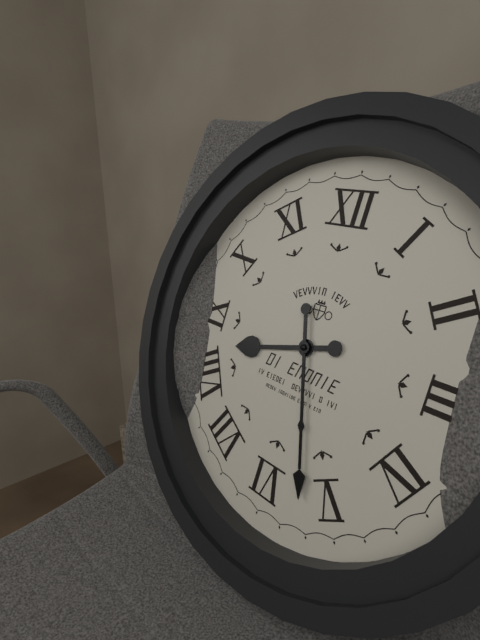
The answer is 8h27
